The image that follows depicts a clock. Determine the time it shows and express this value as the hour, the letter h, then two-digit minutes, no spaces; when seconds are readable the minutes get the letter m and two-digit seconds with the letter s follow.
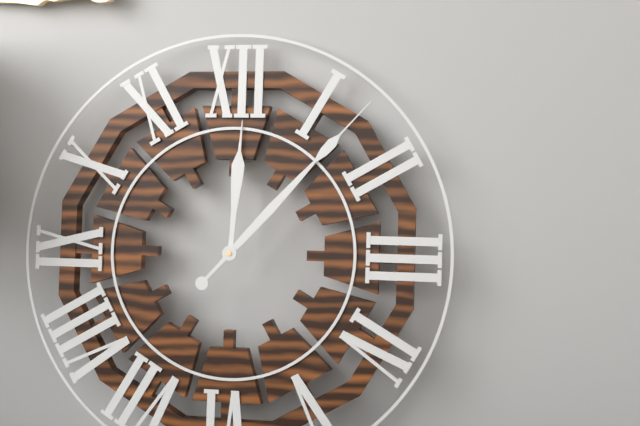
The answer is 12h07
